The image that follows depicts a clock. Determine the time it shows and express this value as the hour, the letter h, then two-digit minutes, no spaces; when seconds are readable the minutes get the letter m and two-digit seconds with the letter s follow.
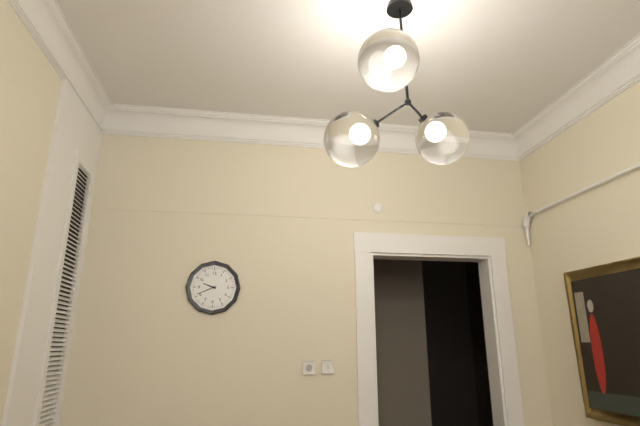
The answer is 9h41
